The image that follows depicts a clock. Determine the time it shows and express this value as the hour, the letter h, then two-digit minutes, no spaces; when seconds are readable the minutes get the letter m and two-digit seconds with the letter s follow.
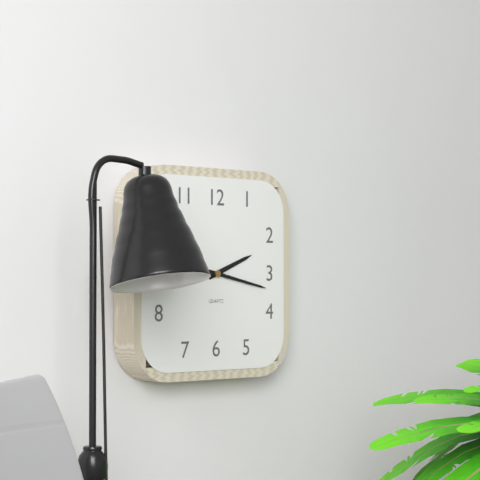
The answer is 2h17
